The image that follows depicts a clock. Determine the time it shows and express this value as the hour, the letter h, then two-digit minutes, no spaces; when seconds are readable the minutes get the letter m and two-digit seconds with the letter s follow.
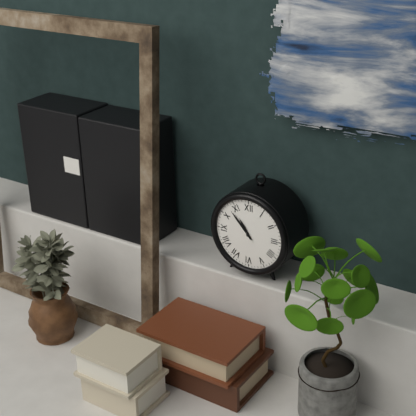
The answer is 10h53
